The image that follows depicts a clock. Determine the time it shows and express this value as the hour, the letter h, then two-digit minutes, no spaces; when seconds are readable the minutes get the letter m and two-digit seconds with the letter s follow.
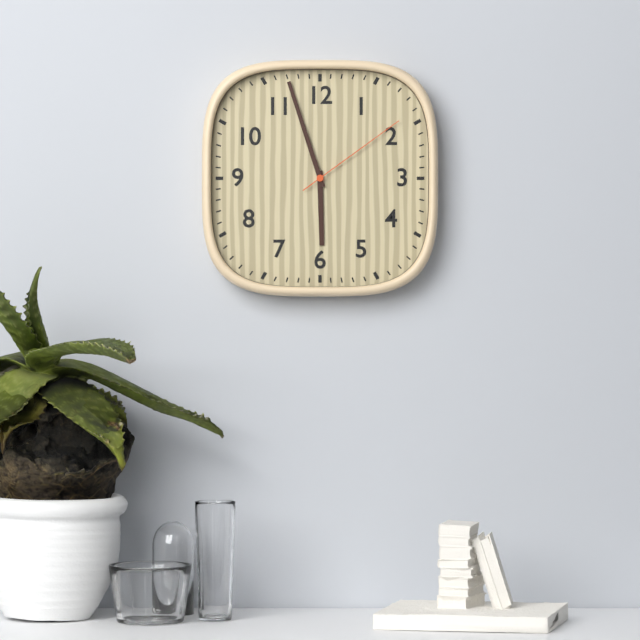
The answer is 5h57m09s
